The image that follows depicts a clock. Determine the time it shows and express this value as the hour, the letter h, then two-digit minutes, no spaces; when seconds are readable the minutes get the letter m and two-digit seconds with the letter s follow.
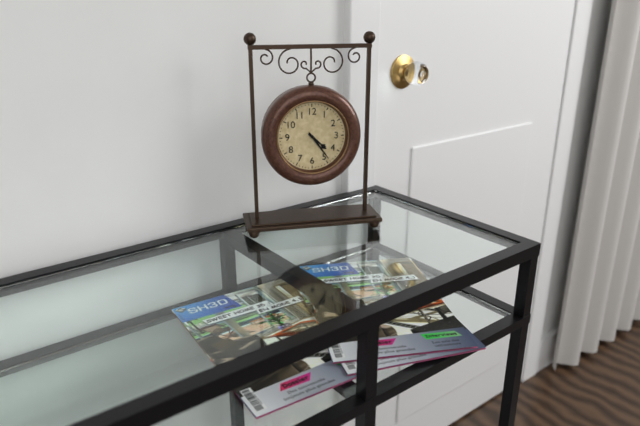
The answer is 4h24
